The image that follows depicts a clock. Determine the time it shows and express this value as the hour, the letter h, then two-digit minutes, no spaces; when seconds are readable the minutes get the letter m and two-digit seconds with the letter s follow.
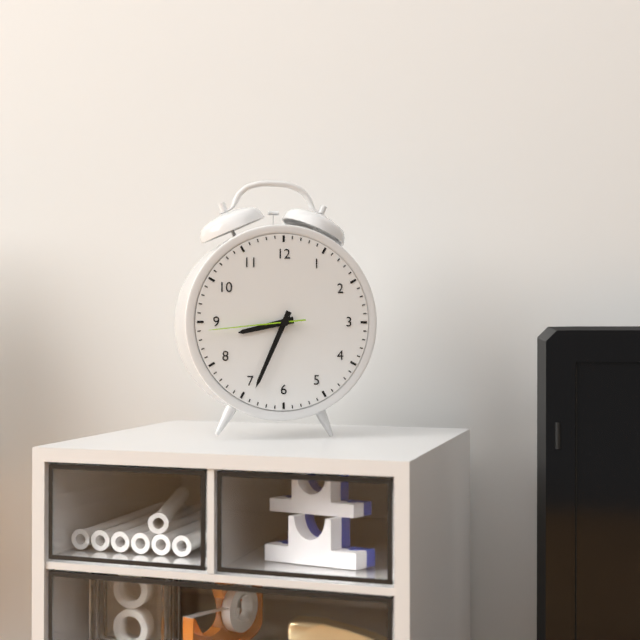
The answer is 8h34m44s
